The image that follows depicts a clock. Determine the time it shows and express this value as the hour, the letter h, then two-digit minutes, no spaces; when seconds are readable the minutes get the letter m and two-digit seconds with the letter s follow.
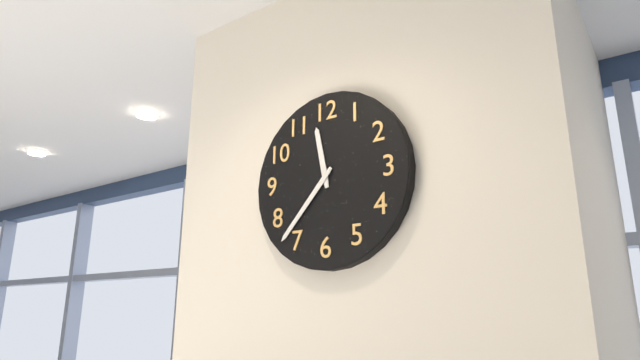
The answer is 11h37
